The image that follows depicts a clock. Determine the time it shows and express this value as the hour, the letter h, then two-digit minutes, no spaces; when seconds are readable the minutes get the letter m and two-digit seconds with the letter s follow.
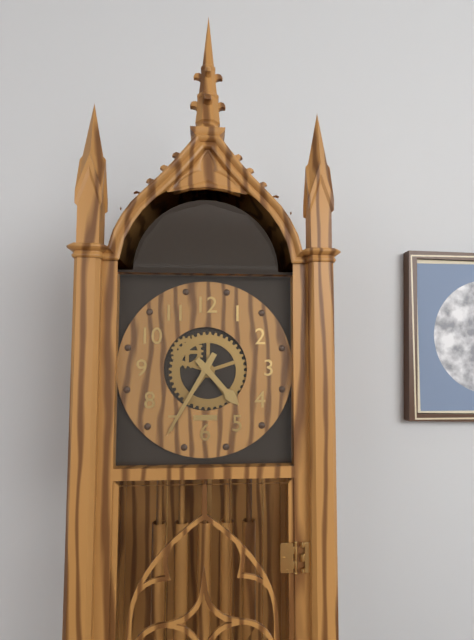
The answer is 4h35
